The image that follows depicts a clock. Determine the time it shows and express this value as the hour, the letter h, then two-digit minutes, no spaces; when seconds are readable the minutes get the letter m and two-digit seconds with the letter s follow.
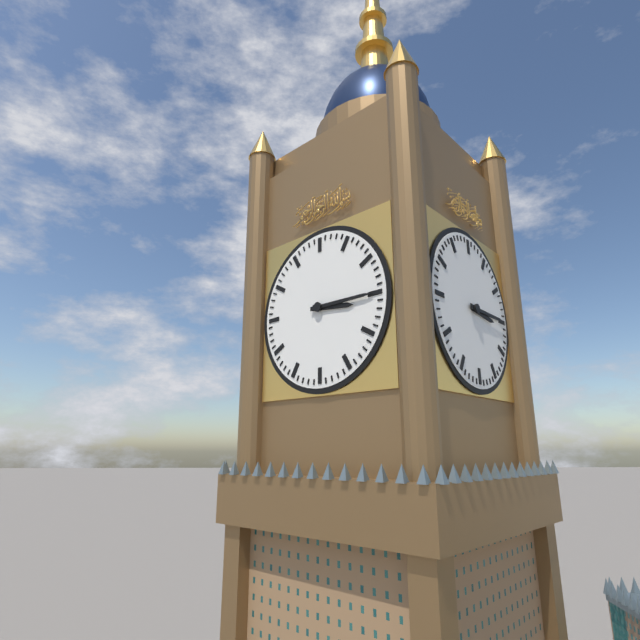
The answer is 3h15
